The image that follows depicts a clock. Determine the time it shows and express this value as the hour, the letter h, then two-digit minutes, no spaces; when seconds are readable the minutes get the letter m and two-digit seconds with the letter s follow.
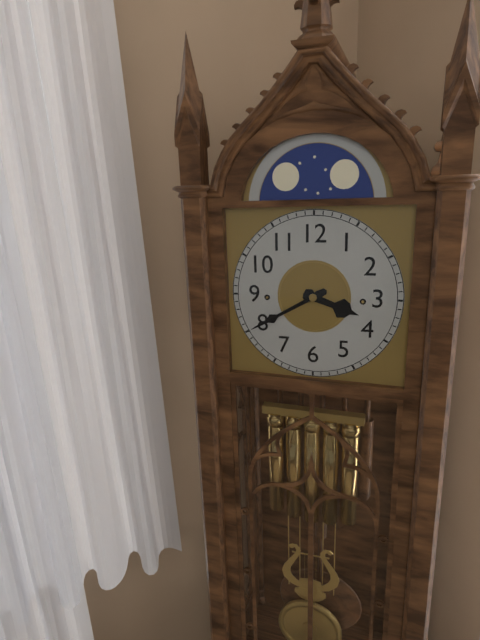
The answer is 3h40
